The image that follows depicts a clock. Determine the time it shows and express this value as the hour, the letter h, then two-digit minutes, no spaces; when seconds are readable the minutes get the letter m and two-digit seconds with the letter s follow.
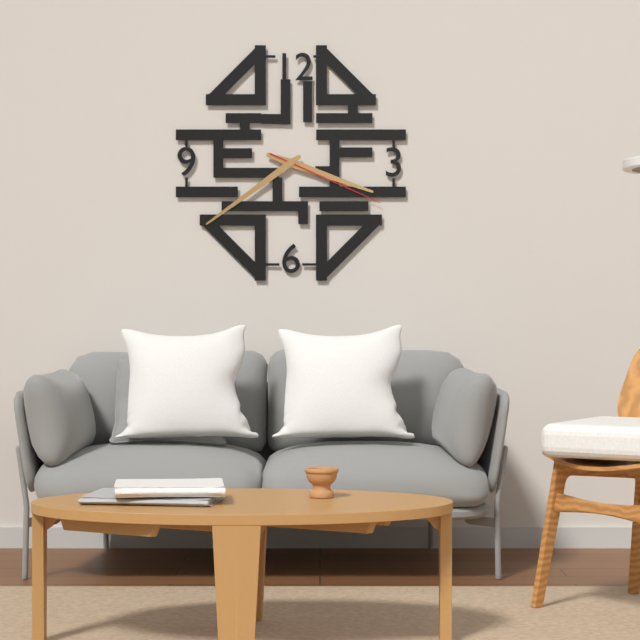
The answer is 3h39m19s
